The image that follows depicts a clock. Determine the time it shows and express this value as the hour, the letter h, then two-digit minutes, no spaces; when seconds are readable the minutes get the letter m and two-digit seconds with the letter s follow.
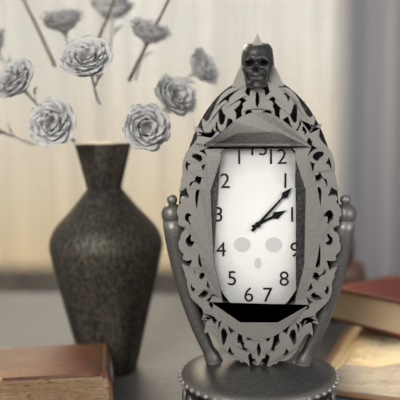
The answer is 2h07
